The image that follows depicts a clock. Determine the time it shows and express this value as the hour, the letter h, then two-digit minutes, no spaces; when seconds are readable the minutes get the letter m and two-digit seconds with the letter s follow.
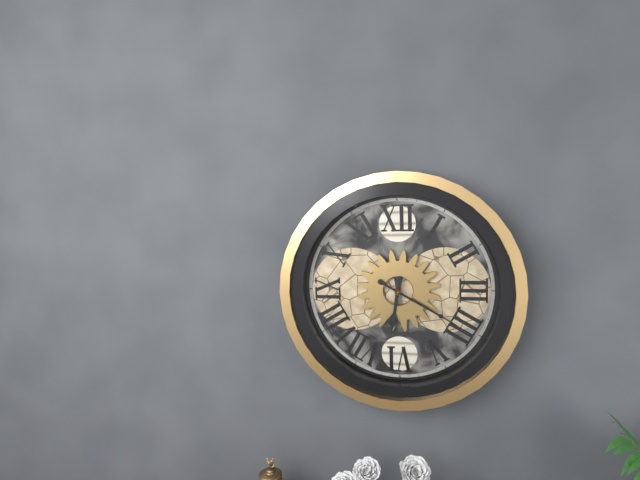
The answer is 6h20
